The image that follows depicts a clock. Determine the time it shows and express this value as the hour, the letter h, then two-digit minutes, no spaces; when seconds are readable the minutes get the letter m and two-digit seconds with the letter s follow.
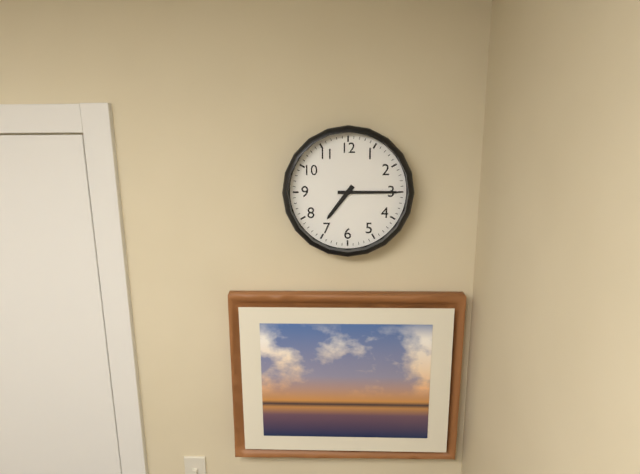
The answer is 7h15
